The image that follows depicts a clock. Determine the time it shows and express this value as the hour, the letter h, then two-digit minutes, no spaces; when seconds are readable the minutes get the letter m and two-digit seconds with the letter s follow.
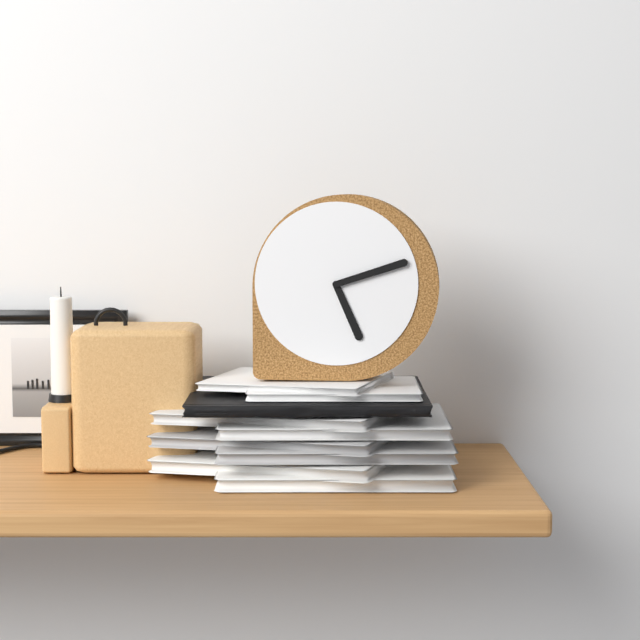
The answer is 5h12
